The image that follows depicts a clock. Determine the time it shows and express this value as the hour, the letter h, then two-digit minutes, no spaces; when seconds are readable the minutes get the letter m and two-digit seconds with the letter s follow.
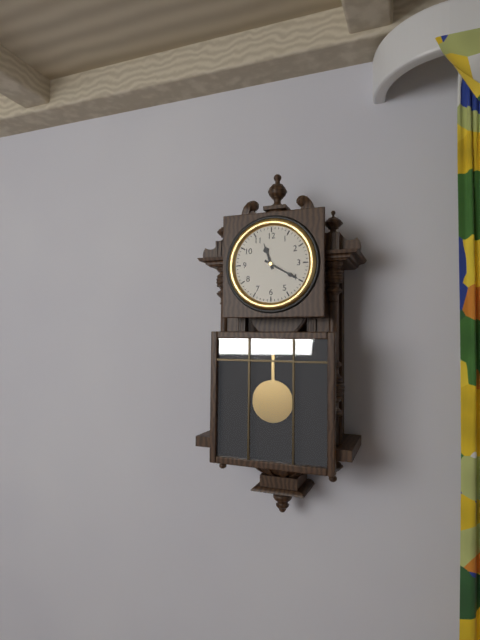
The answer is 11h20
